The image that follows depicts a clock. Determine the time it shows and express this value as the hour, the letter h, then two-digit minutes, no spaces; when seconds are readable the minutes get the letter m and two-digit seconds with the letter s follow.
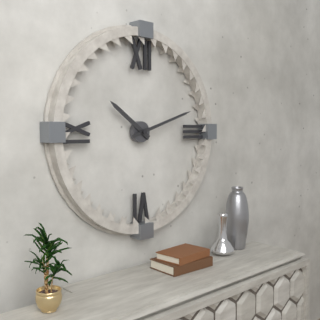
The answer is 10h12
